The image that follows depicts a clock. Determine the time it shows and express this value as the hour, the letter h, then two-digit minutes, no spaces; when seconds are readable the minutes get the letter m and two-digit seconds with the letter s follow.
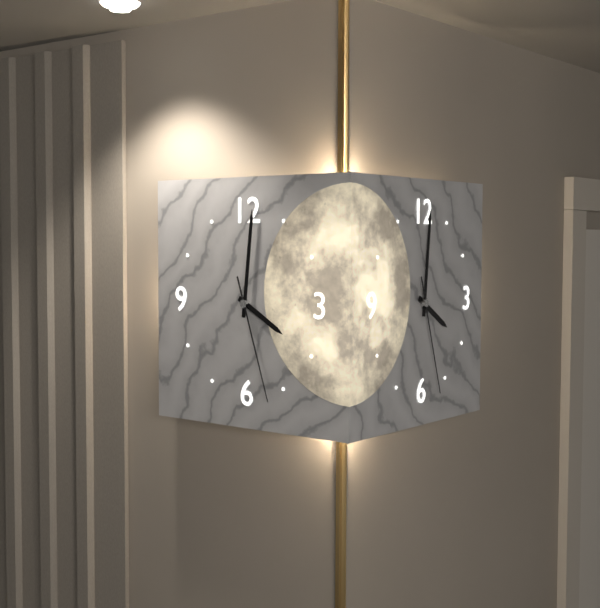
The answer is 4h01m27s
